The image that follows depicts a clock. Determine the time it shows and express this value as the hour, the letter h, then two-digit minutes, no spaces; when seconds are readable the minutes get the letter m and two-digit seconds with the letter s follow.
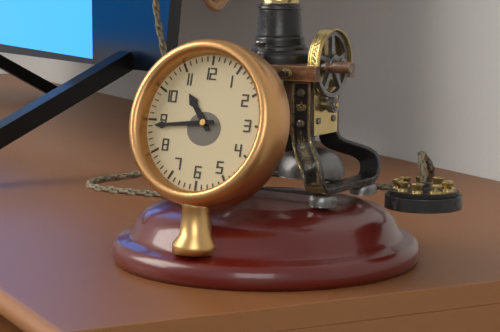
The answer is 10h44
